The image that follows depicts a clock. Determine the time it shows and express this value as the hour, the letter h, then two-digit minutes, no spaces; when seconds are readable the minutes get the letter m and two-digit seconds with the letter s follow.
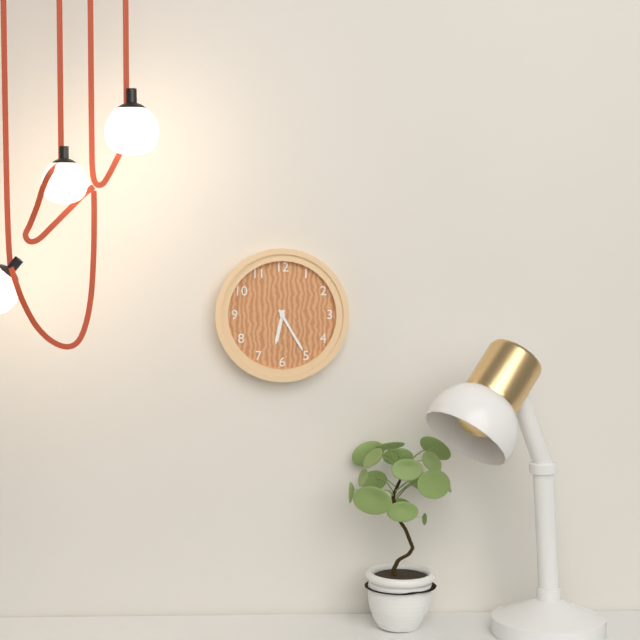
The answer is 6h25
